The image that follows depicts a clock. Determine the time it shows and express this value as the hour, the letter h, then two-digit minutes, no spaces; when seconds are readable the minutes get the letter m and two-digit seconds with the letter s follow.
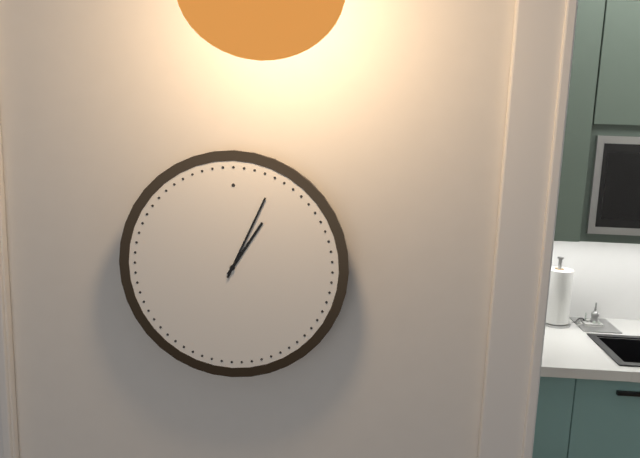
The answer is 1h04
